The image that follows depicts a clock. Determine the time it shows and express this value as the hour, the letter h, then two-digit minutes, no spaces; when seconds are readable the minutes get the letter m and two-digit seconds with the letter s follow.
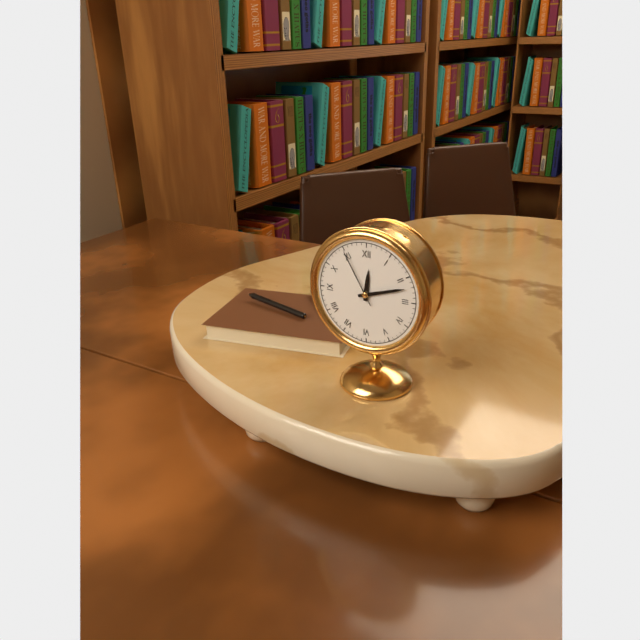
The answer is 12h12m55s
